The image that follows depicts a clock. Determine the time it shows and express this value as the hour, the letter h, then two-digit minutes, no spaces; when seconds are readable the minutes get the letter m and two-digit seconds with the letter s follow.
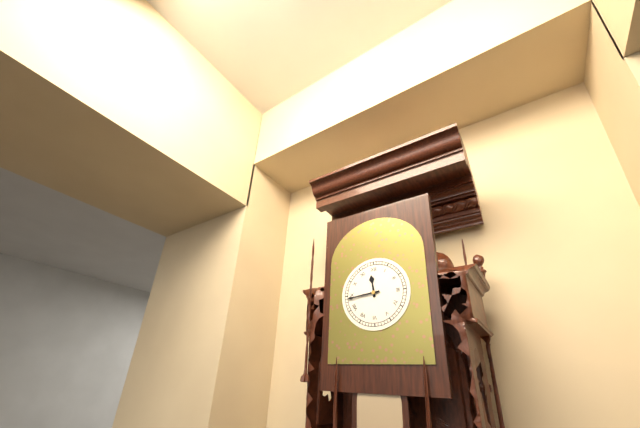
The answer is 11h44
